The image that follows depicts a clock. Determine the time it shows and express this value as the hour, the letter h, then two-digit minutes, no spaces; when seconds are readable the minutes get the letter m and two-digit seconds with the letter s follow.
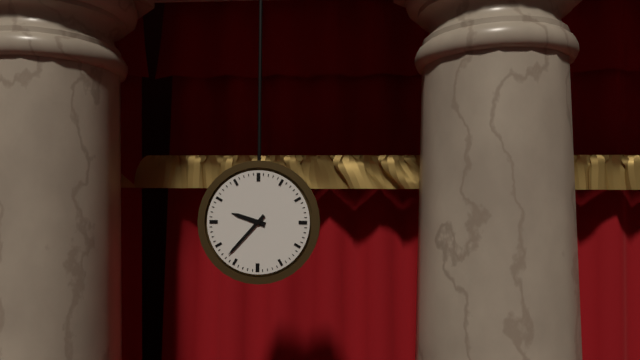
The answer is 9h37
